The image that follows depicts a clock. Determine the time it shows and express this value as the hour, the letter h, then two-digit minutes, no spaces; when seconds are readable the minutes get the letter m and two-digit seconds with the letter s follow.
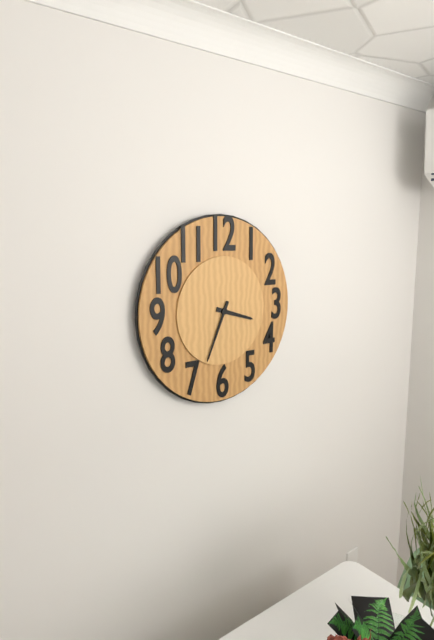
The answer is 3h34
